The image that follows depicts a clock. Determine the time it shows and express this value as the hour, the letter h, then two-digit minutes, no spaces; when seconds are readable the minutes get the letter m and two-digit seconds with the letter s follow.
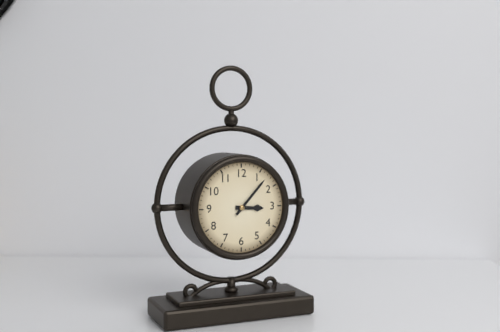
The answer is 3h07
